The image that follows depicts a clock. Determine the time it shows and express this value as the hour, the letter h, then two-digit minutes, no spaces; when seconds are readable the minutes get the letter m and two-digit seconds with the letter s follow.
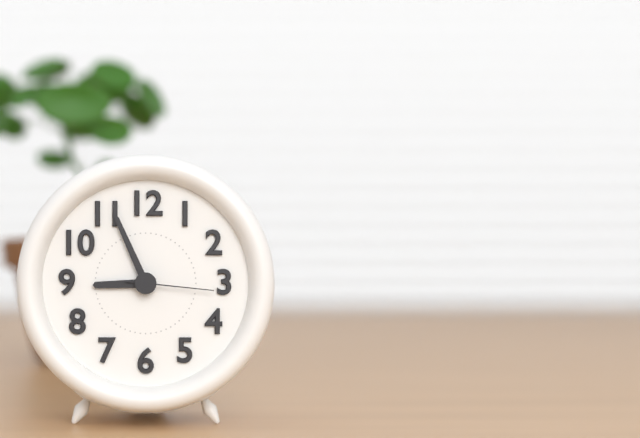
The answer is 8h56m16s
